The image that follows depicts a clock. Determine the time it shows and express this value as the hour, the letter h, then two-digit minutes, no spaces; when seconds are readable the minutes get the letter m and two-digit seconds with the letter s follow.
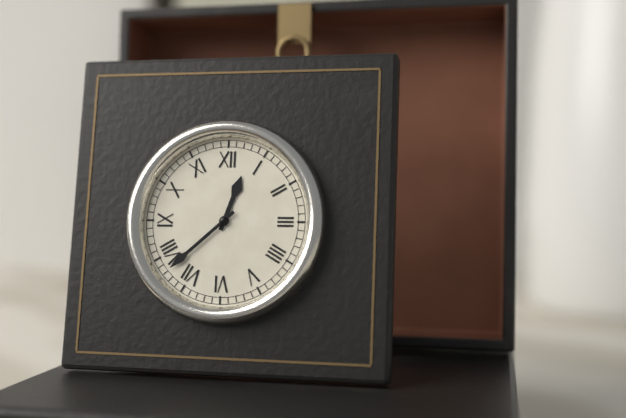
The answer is 12h38
